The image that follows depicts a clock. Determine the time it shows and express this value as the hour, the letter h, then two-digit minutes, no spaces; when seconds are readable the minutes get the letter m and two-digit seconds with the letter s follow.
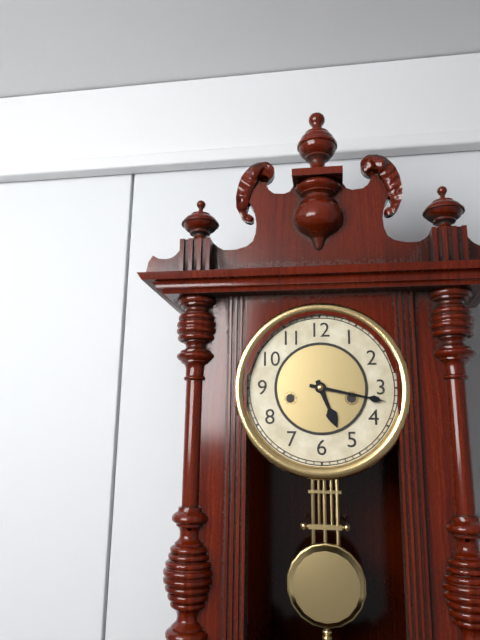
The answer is 5h17
